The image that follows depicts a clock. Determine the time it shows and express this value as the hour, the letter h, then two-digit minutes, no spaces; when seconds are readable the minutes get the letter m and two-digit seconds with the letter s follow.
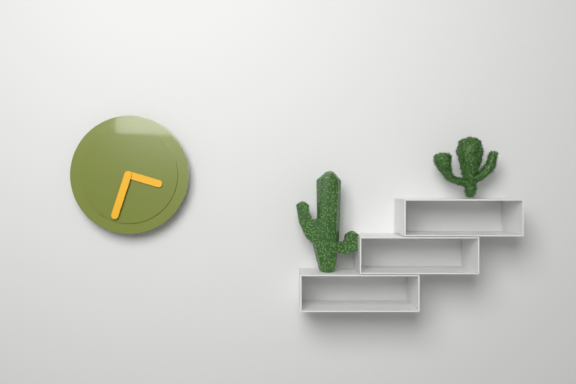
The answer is 3h33
